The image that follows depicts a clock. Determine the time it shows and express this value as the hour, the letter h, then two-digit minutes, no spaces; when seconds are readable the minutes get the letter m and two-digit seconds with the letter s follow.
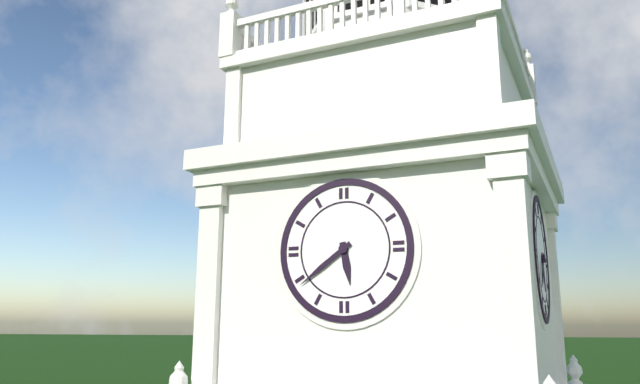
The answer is 5h39
